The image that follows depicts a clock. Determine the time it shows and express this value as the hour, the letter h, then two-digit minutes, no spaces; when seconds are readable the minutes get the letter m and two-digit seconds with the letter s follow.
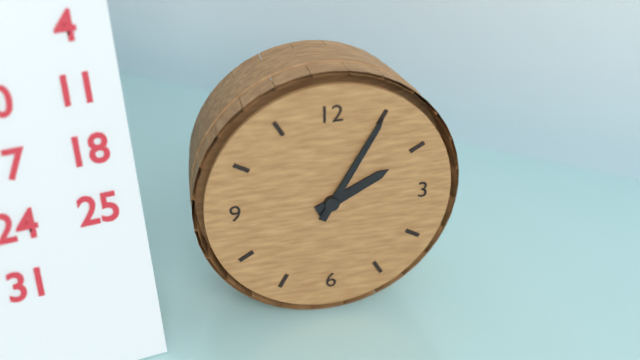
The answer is 2h05
